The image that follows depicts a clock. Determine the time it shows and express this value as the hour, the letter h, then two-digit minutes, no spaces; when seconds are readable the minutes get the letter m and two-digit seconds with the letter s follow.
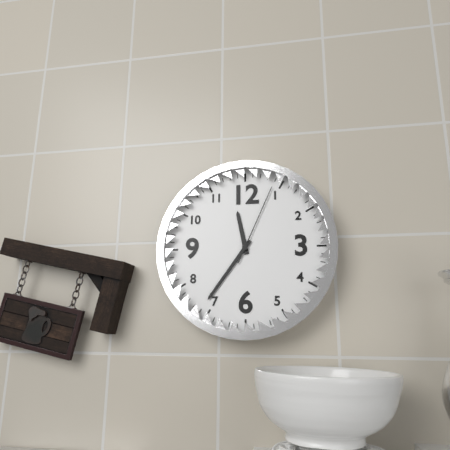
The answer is 11h36m04s
